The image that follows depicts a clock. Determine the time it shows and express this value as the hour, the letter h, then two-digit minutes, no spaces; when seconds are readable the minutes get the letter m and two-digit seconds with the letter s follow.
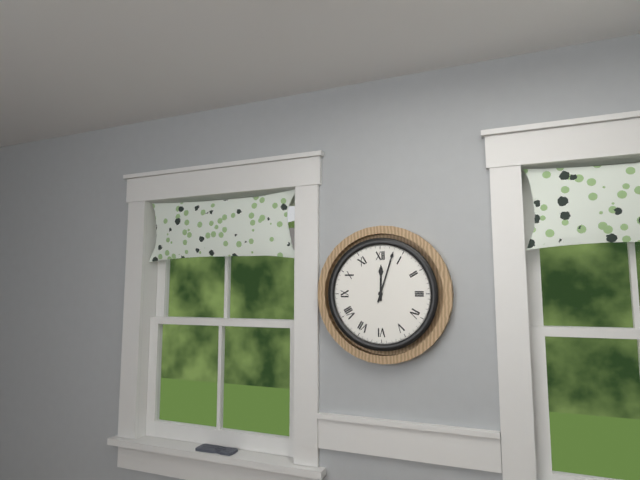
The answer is 12h03
